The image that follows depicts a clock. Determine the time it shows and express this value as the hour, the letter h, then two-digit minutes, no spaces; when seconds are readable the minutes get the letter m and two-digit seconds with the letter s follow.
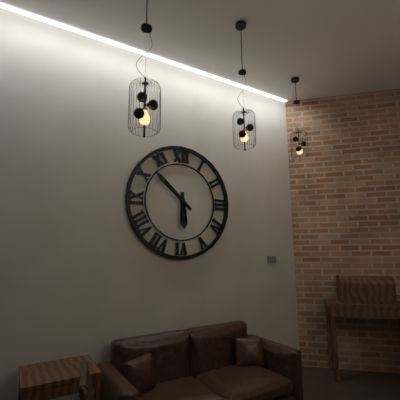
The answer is 5h52
